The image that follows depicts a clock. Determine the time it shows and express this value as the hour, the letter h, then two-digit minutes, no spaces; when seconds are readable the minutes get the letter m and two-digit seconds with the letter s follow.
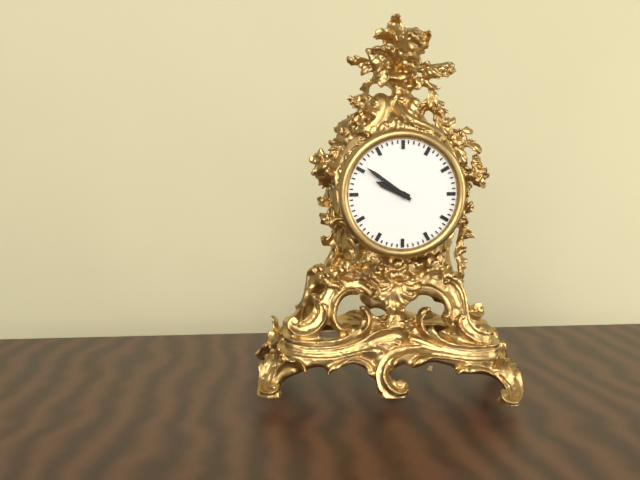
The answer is 9h51
